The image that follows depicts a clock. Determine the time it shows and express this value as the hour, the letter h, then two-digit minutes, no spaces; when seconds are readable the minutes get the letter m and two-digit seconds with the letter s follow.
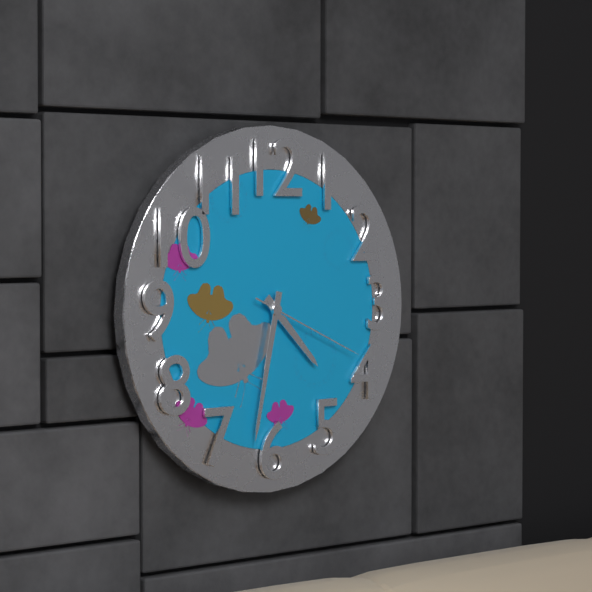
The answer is 4h32m19s
